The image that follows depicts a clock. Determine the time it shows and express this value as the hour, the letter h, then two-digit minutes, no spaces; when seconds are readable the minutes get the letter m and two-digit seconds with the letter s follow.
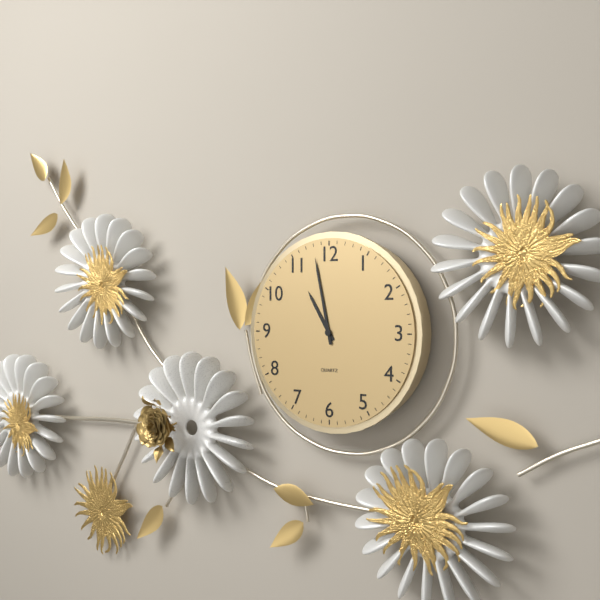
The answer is 10h58
